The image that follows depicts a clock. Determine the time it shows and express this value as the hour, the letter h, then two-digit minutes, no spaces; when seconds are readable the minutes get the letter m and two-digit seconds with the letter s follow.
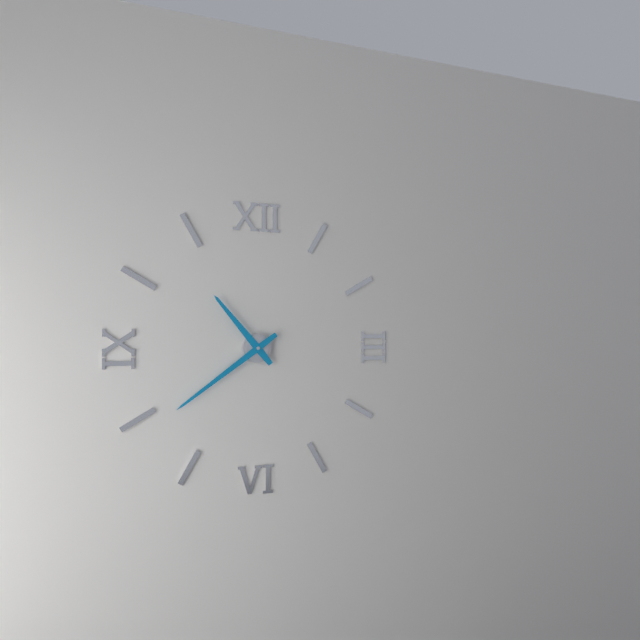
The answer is 10h39
